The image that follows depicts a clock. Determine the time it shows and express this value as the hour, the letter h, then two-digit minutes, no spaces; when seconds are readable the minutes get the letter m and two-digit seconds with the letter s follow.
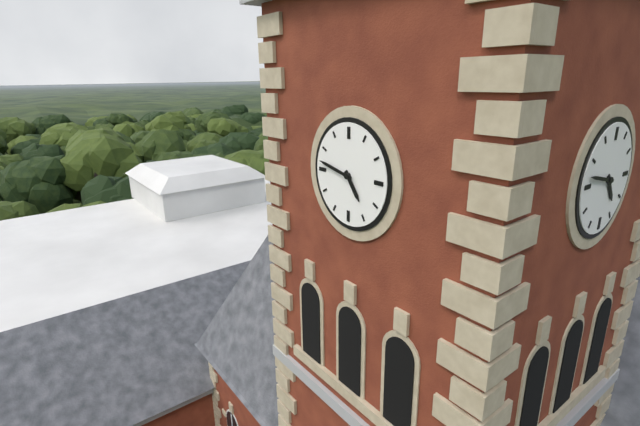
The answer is 4h47
